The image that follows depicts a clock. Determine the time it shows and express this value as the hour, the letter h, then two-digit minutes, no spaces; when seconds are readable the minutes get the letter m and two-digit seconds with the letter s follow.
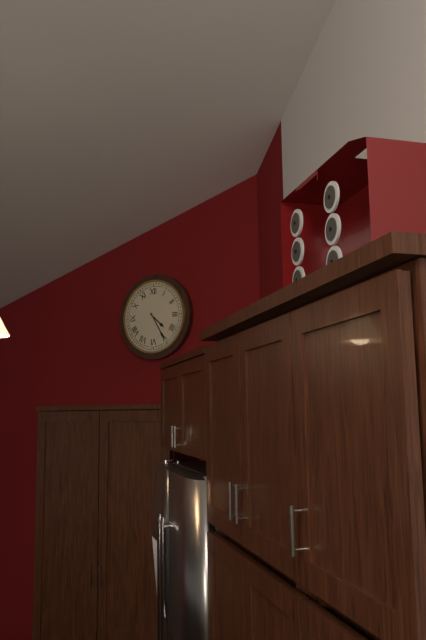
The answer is 4h25
